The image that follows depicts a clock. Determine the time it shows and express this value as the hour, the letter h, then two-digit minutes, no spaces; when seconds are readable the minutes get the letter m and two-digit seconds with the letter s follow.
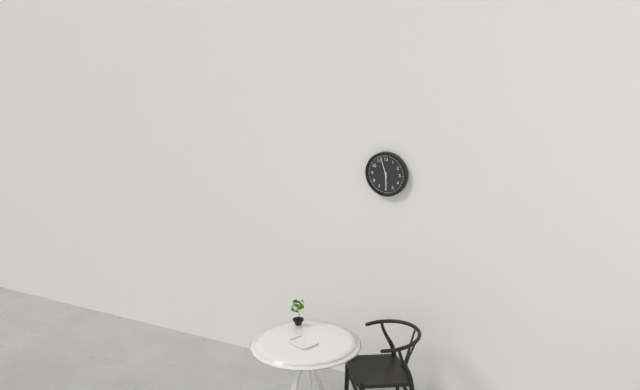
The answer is 5h57
